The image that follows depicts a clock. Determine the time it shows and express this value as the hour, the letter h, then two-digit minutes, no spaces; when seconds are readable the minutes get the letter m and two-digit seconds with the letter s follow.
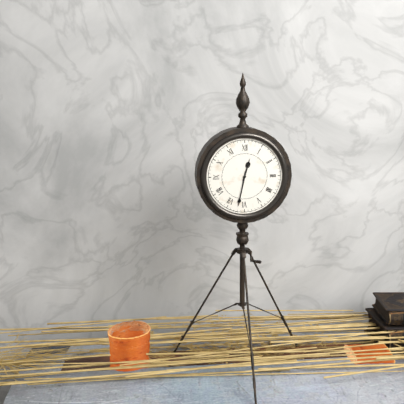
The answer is 12h32
